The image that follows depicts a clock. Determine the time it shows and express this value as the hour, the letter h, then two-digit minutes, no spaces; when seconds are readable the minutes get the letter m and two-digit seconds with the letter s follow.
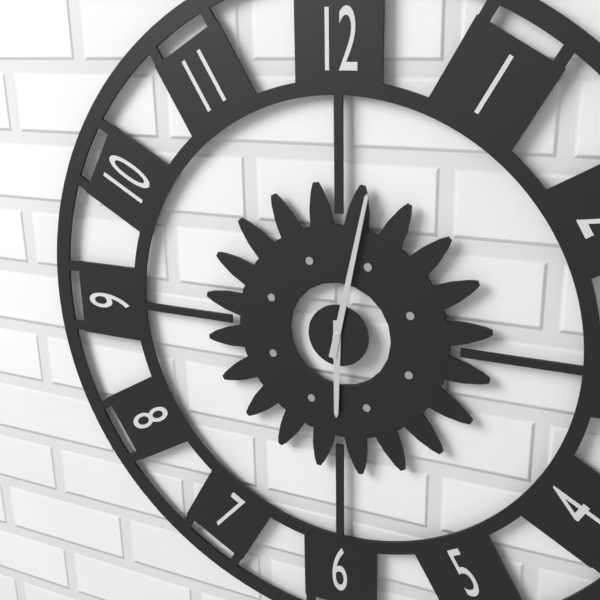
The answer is 6h02
